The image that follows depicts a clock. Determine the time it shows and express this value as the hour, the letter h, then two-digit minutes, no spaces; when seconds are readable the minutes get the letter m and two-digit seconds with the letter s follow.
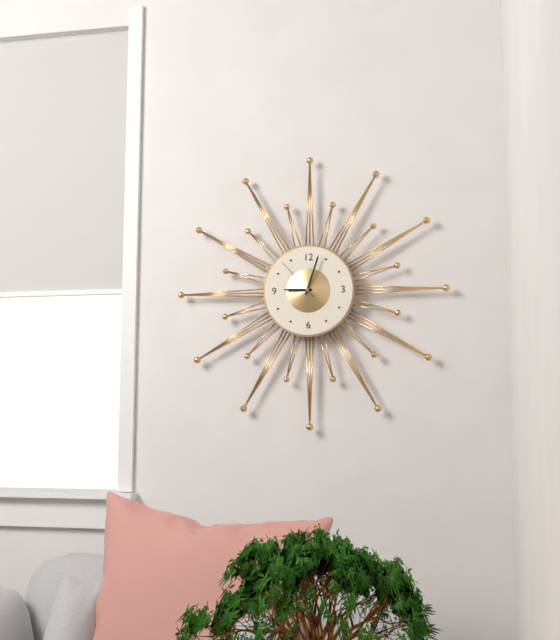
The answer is 9h03
